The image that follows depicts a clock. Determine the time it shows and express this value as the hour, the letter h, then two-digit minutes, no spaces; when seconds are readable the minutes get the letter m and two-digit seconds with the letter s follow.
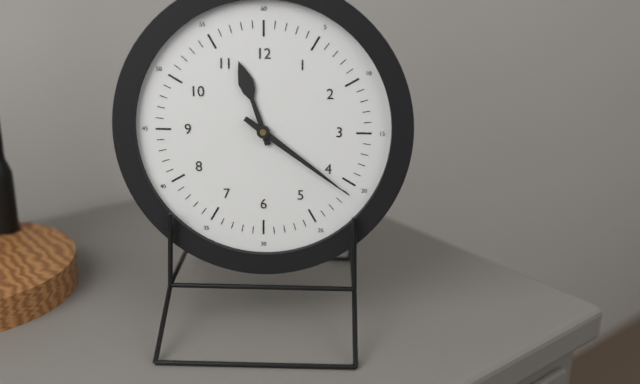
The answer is 11h21
